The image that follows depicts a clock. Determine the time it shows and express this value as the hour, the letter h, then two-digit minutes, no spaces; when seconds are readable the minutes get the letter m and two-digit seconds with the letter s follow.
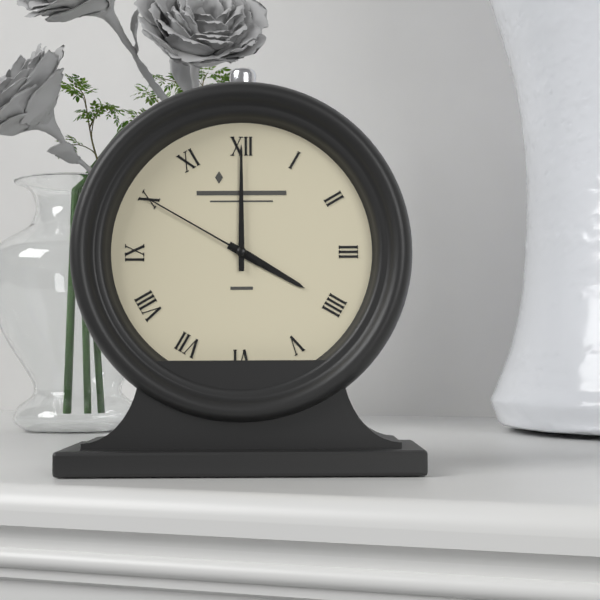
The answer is 4h00m50s
